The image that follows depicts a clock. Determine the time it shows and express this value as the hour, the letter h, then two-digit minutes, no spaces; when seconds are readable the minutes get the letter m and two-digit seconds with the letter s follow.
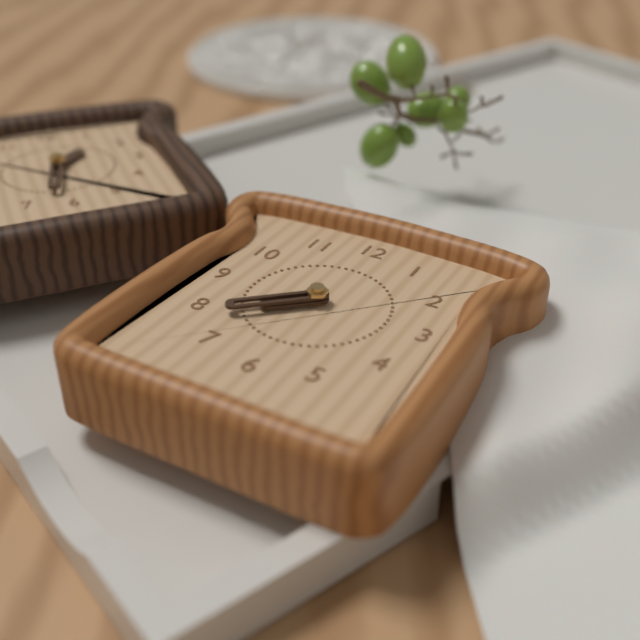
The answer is 7h38
